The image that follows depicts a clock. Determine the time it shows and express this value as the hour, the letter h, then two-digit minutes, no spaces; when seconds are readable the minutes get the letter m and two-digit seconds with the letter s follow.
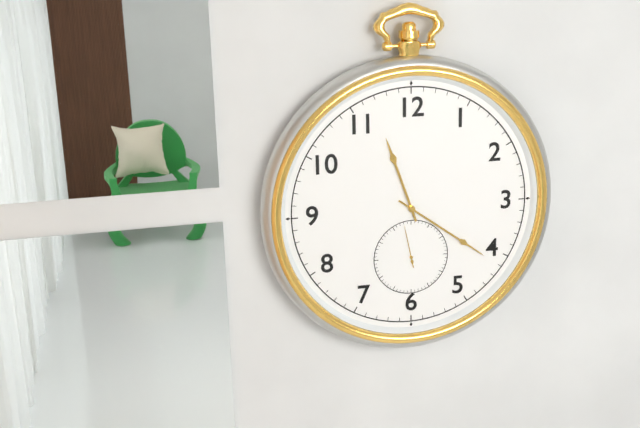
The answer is 11h21
